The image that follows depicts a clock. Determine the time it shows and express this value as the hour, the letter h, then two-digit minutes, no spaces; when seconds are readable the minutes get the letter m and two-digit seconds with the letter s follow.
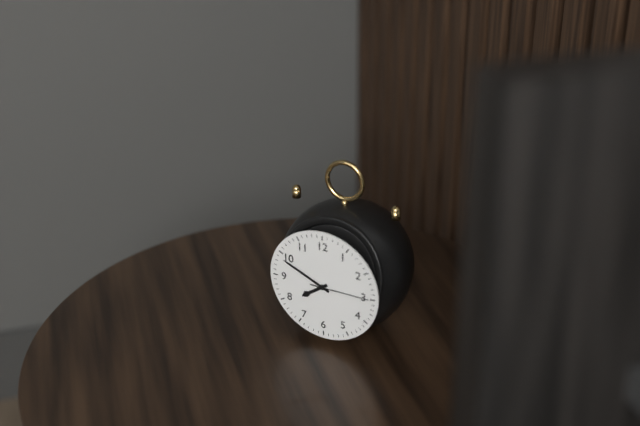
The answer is 7h49m15s
